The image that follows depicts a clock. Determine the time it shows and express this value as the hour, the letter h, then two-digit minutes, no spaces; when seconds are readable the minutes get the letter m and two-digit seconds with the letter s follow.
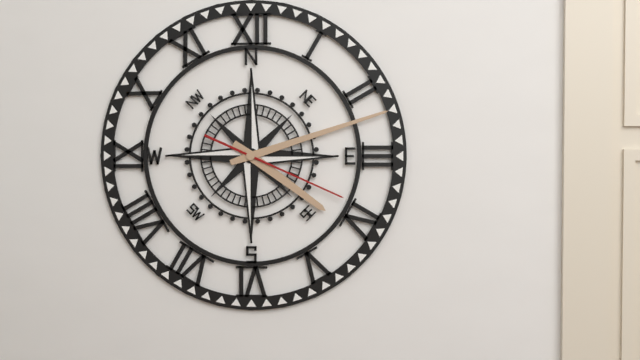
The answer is 4h12m19s
